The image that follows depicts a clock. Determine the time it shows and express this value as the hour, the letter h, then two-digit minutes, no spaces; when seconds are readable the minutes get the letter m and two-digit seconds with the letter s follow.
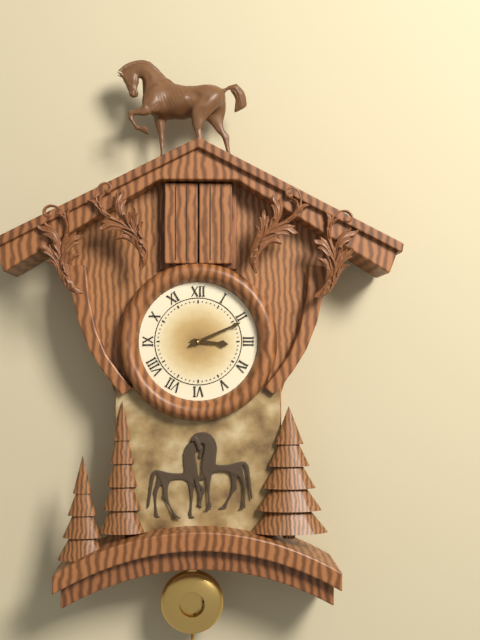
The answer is 3h11
